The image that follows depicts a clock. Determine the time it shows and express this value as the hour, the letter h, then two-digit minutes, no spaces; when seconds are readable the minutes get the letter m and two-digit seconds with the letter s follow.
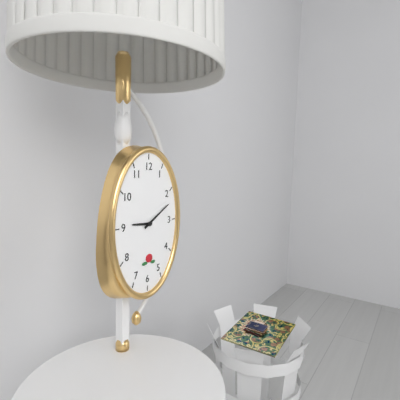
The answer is 9h10
